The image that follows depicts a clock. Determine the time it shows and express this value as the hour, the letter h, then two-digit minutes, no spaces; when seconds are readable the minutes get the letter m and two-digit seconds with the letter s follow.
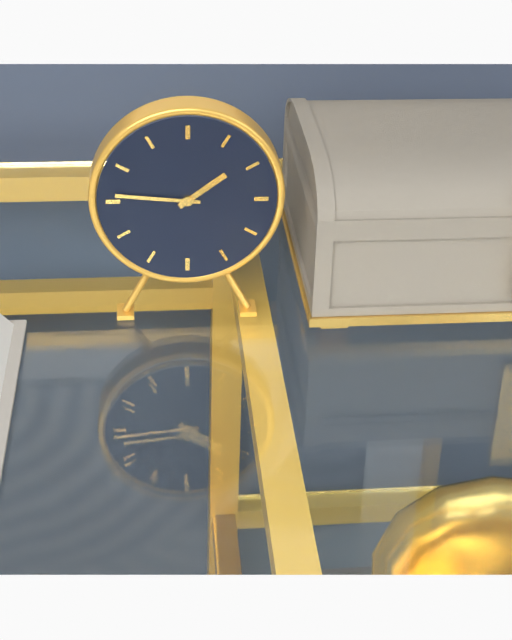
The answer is 1h46
